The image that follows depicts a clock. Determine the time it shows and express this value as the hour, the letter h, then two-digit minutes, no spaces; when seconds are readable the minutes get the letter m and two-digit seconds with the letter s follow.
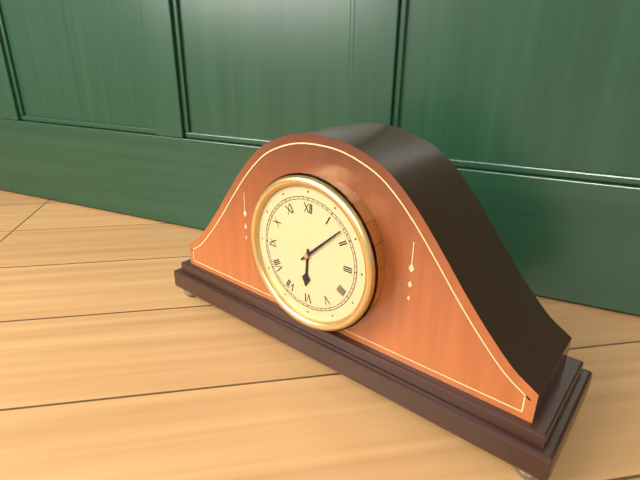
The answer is 6h08
